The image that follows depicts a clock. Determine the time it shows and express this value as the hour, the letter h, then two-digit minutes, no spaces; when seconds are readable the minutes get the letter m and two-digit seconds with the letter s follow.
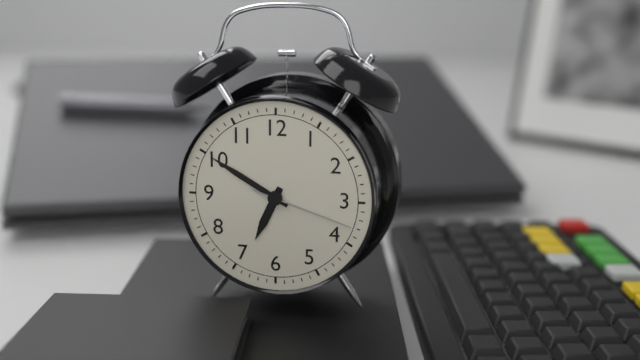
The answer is 6h50m18s
